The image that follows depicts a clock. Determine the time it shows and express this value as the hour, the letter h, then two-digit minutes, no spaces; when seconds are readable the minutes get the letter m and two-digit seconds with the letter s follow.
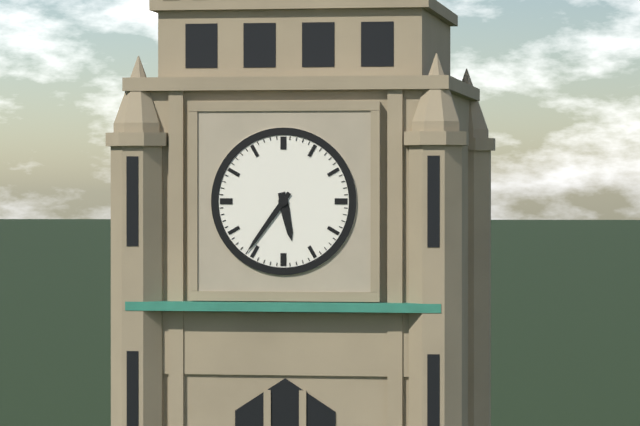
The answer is 5h36
